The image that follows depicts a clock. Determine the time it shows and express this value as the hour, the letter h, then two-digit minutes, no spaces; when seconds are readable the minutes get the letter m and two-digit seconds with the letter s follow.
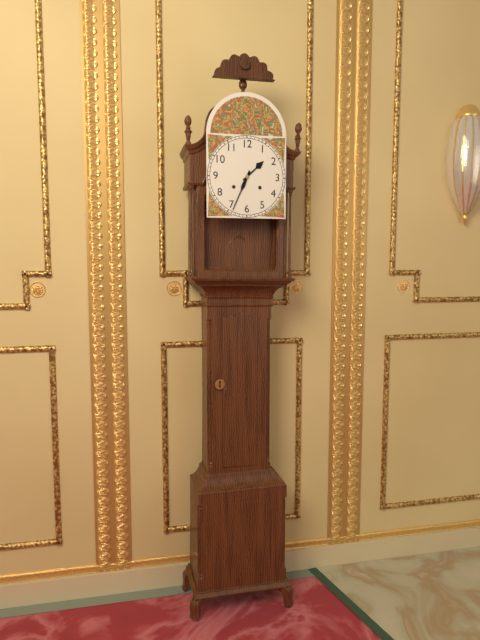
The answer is 1h34
